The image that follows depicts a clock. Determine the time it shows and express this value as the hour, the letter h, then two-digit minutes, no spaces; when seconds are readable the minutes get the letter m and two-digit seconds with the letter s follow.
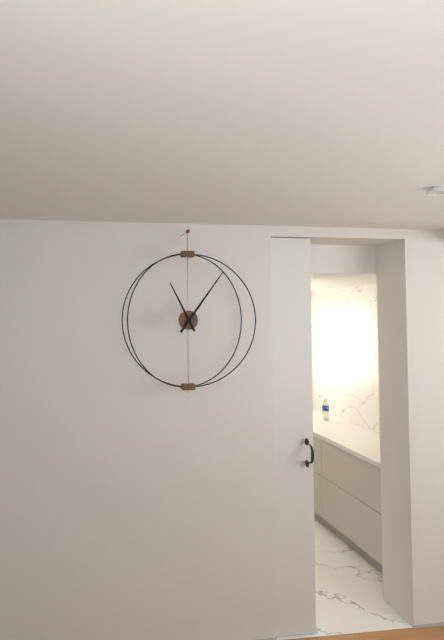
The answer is 11h06
